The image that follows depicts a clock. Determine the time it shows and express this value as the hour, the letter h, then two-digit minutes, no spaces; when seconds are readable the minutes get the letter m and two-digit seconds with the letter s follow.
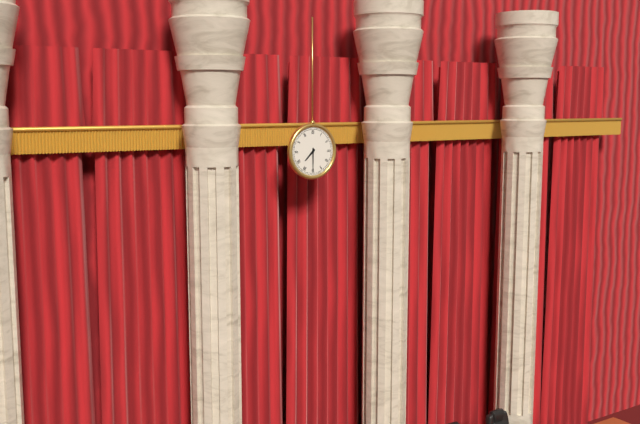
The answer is 7h30
